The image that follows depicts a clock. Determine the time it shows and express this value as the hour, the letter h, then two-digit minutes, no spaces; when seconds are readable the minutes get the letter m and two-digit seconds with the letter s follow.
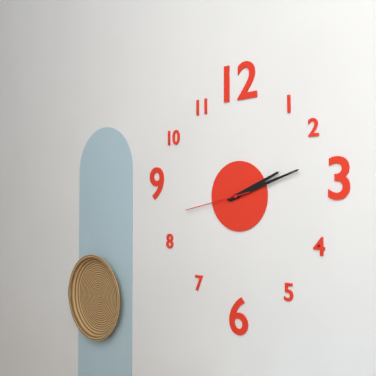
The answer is 2h12m43s
